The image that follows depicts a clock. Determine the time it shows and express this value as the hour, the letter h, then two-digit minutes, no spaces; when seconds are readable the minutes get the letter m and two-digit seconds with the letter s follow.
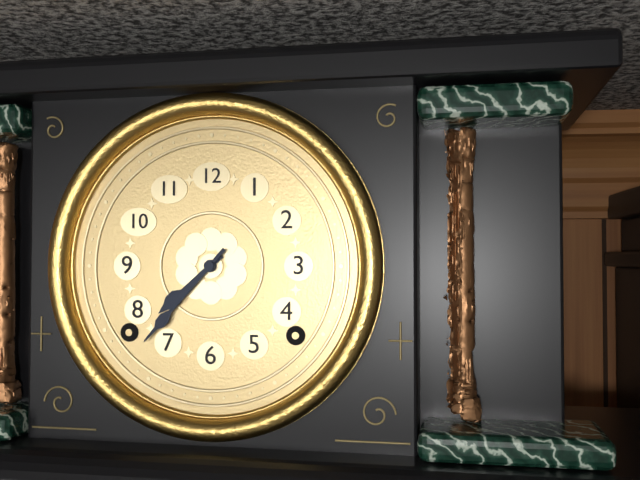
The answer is 7h37
